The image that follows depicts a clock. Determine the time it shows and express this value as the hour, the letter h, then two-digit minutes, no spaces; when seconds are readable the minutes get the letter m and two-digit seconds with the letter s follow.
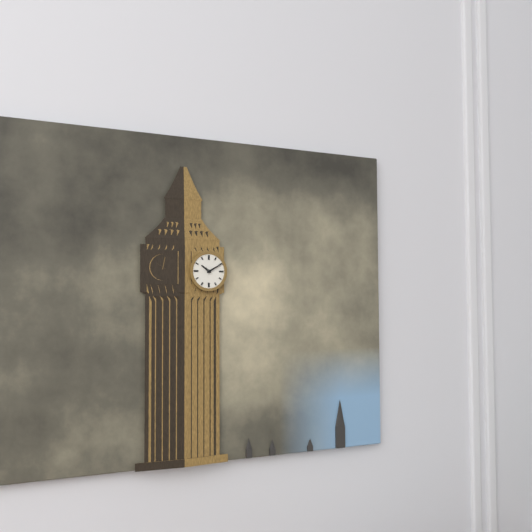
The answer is 10h10
